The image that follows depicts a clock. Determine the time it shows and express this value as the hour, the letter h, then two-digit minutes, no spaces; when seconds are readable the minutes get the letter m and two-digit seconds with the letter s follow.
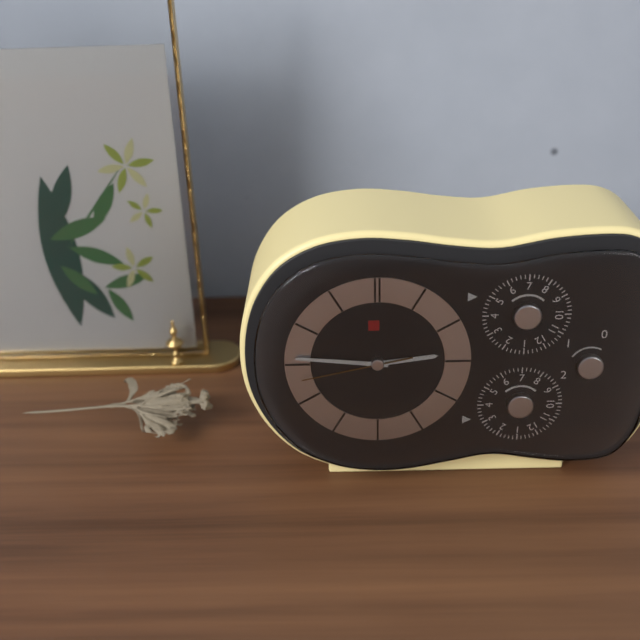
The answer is 2h46m43s
